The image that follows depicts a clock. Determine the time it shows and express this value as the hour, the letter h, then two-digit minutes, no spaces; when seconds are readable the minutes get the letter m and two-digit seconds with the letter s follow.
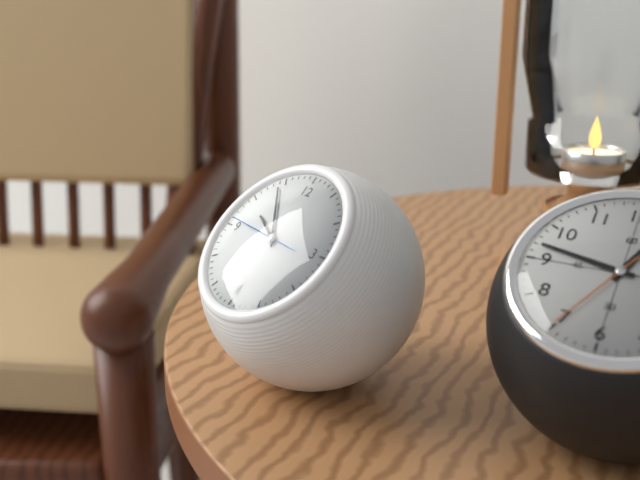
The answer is 9h54m46s
